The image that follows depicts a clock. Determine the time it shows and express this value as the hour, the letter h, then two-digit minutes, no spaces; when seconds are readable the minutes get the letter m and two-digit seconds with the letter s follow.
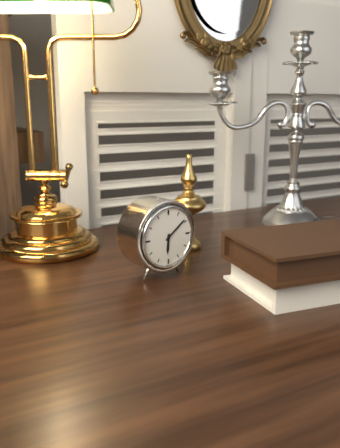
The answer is 6h09
